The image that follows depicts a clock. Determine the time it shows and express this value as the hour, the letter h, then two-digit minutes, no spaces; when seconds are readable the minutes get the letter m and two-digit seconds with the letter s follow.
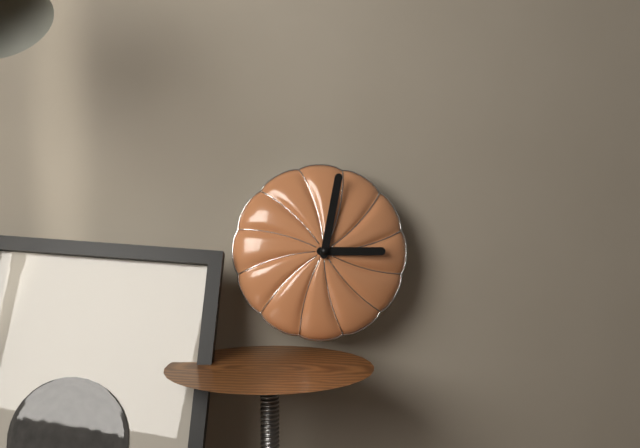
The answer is 3h02
